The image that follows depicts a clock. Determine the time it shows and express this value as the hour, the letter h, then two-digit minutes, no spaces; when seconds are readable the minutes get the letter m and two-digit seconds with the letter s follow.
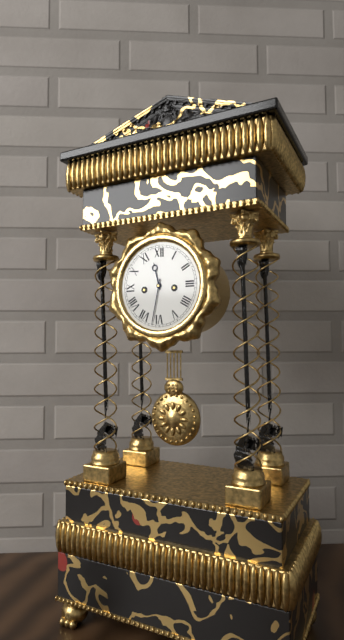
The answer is 11h32
